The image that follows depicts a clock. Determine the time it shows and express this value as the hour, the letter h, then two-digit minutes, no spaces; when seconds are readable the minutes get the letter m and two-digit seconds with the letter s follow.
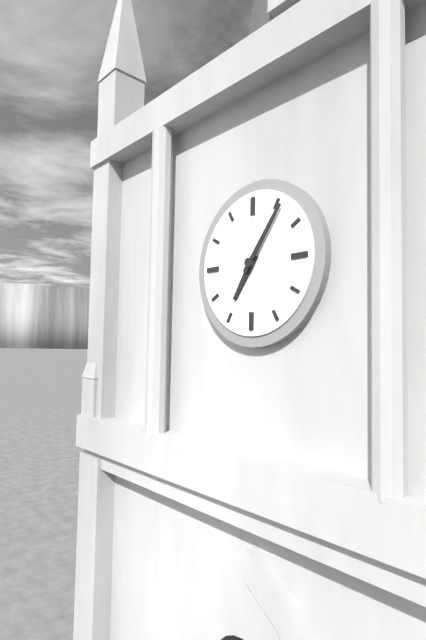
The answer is 7h06
